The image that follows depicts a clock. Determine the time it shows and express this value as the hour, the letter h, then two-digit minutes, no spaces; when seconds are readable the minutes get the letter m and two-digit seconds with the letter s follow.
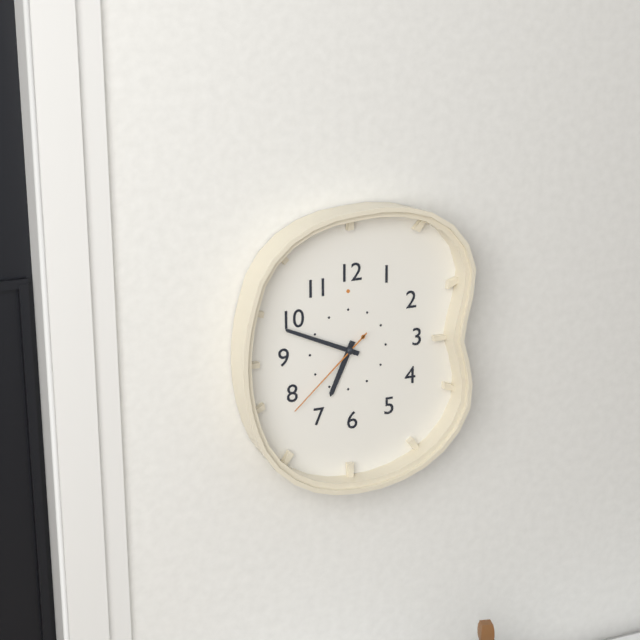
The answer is 6h49m38s
